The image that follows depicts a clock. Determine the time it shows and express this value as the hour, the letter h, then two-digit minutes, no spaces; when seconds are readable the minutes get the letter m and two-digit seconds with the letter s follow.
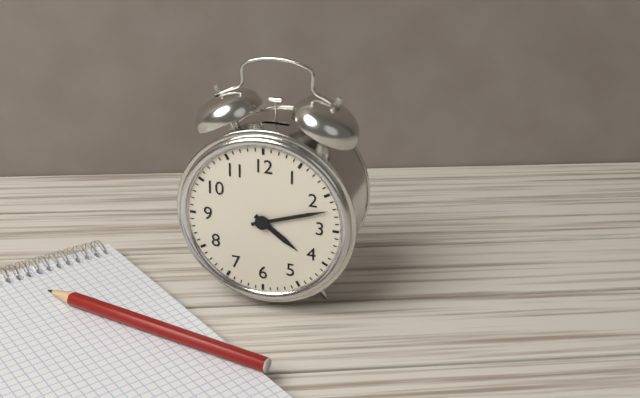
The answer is 4h12
